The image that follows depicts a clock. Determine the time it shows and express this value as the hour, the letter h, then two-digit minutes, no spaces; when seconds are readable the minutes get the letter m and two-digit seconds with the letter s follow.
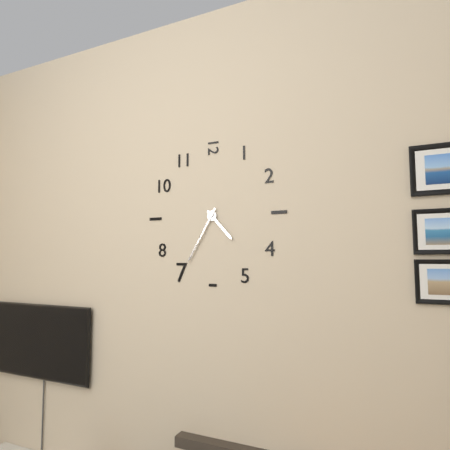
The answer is 4h35
